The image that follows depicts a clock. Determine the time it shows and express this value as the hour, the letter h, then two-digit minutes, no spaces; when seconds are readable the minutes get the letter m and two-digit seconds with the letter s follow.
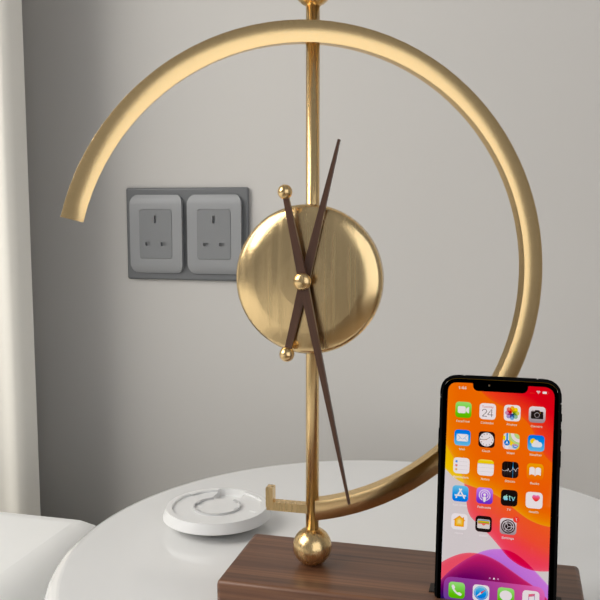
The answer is 12h28
